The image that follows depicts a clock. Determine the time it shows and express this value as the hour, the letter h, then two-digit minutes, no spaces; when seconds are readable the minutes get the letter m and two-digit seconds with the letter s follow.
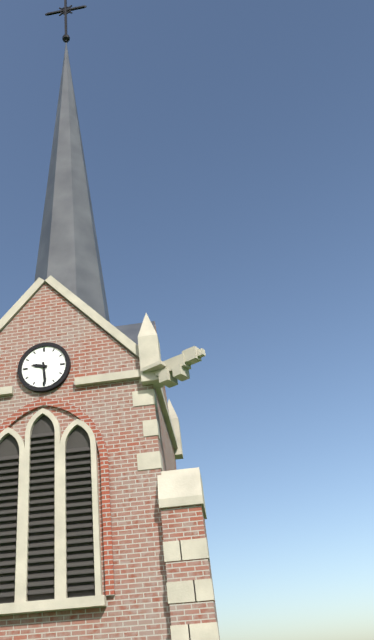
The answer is 9h29
